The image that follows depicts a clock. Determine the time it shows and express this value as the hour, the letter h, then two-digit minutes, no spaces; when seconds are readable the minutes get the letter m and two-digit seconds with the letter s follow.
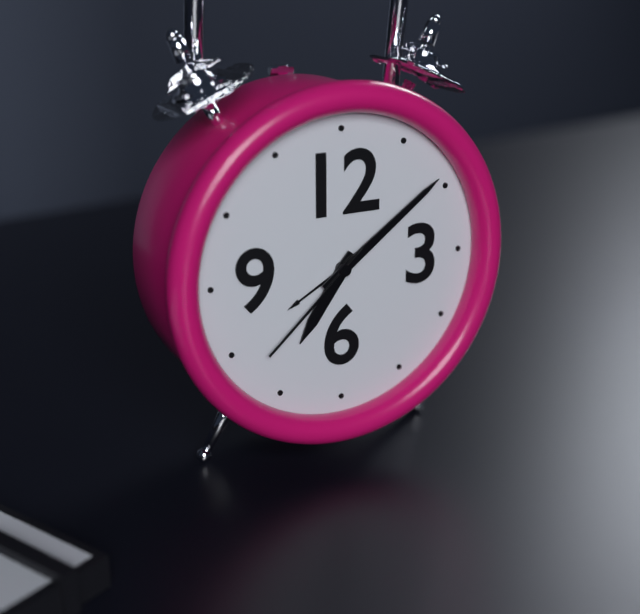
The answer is 7h09m38s
